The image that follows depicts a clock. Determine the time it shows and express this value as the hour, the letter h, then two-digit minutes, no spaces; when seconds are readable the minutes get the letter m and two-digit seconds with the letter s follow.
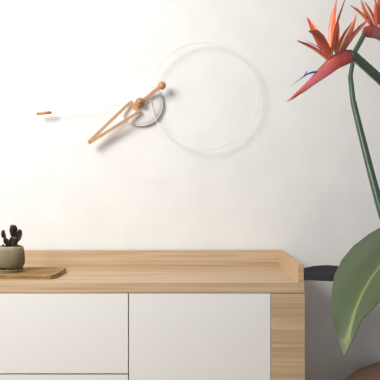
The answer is 7h44
